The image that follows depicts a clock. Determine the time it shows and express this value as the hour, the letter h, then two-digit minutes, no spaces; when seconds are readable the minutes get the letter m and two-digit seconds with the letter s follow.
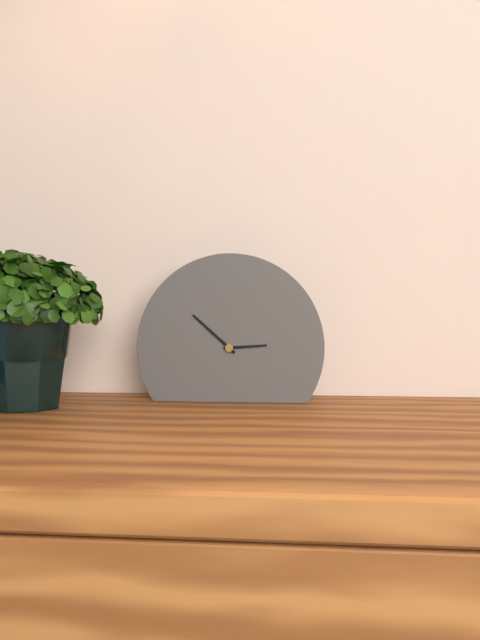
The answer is 2h52
